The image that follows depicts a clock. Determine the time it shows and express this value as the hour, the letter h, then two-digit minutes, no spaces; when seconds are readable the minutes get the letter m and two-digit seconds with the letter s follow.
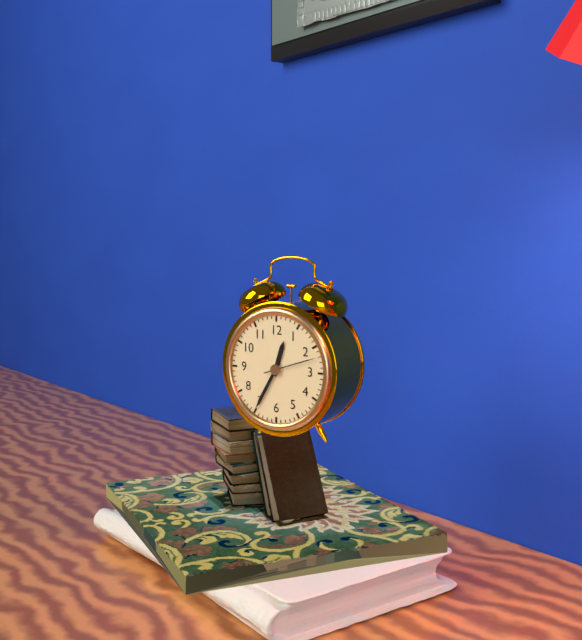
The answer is 12h35m12s
